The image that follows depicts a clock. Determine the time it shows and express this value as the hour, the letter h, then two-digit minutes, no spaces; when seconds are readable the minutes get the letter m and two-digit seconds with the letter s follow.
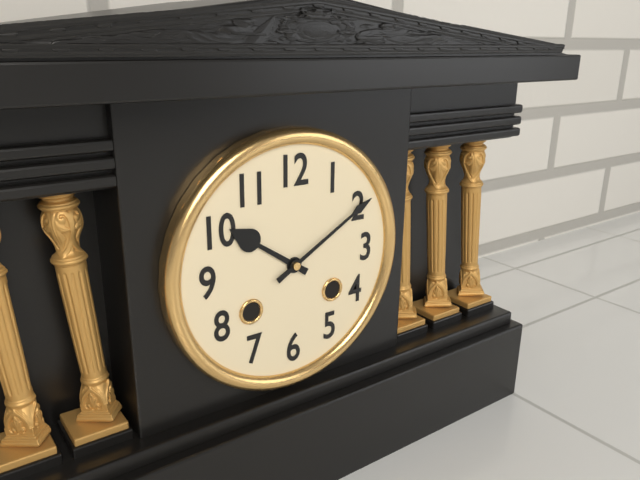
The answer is 10h10
